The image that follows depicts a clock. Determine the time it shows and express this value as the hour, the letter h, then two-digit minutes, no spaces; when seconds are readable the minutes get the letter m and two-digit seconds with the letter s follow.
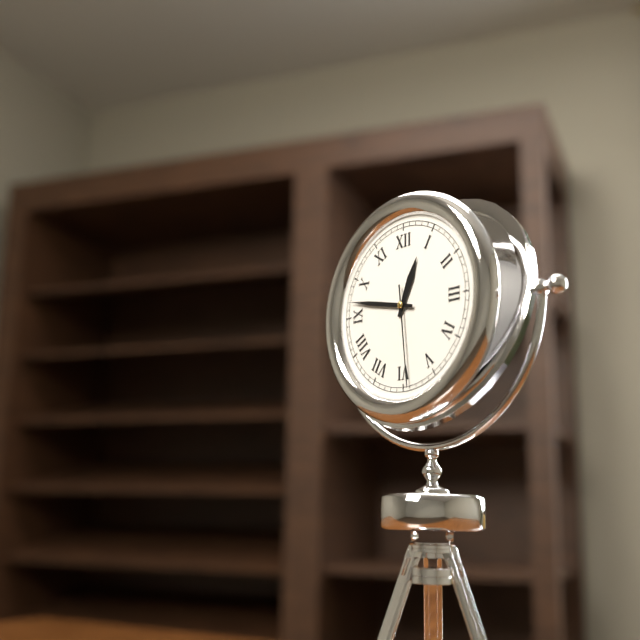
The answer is 12h47m29s
